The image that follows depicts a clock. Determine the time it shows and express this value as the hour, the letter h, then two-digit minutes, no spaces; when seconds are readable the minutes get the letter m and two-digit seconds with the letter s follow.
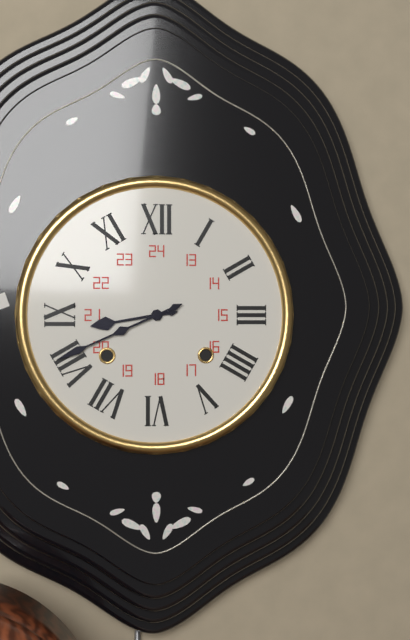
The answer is 8h41
